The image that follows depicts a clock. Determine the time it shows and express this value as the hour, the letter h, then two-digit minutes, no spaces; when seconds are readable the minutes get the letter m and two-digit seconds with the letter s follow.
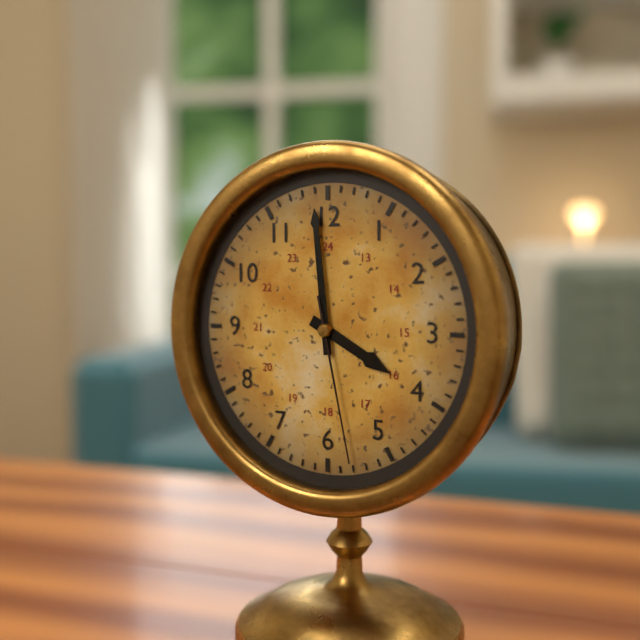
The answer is 3h59m28s
